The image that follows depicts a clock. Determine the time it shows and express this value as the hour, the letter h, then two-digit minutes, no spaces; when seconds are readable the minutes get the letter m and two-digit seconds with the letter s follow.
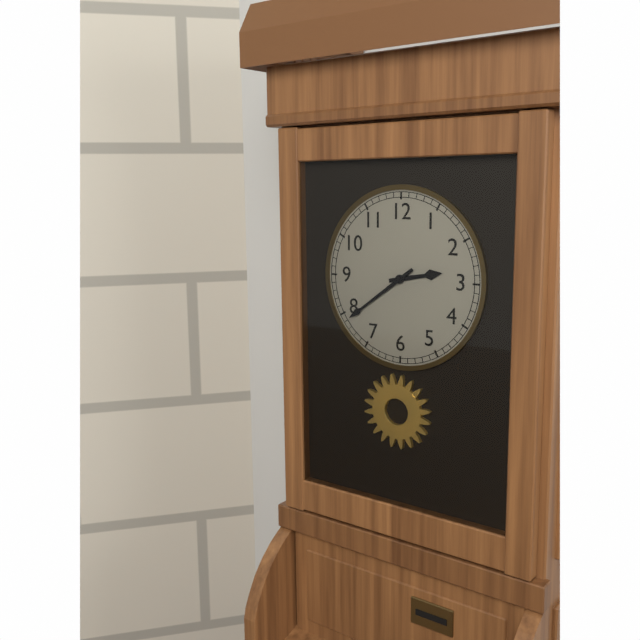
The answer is 2h39
